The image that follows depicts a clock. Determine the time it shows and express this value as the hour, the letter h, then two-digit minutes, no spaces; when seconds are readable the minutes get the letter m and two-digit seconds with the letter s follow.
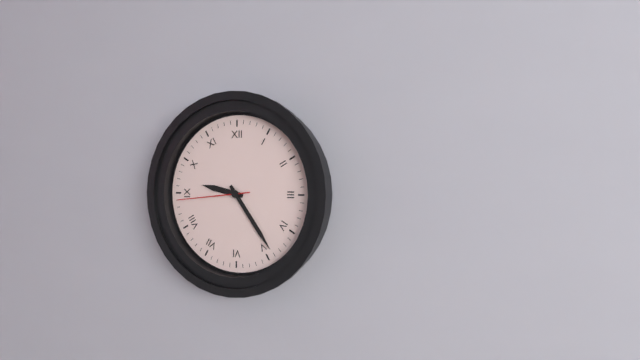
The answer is 9h24m44s
